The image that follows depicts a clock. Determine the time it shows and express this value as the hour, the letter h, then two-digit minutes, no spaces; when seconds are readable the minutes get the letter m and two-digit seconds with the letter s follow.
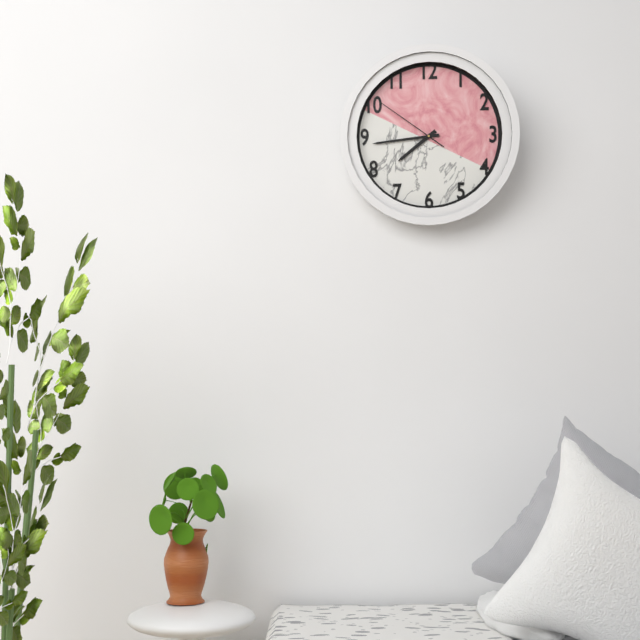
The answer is 7h44m51s
